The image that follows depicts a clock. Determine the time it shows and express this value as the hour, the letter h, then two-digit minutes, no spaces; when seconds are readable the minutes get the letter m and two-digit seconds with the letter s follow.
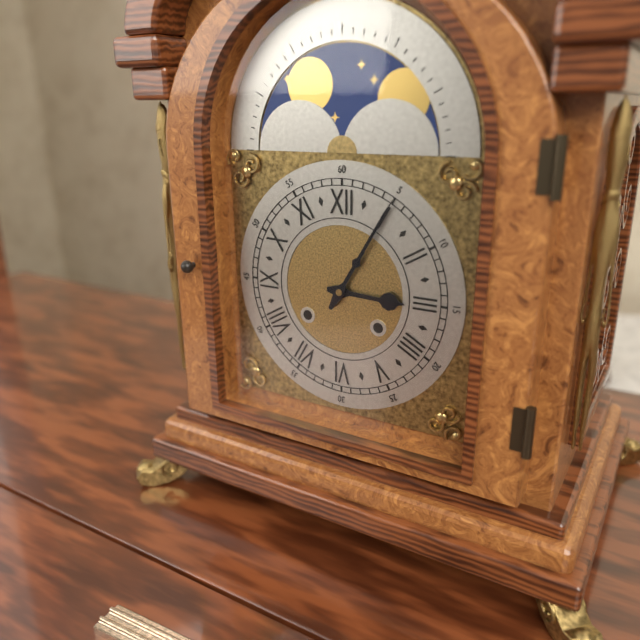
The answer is 3h05
